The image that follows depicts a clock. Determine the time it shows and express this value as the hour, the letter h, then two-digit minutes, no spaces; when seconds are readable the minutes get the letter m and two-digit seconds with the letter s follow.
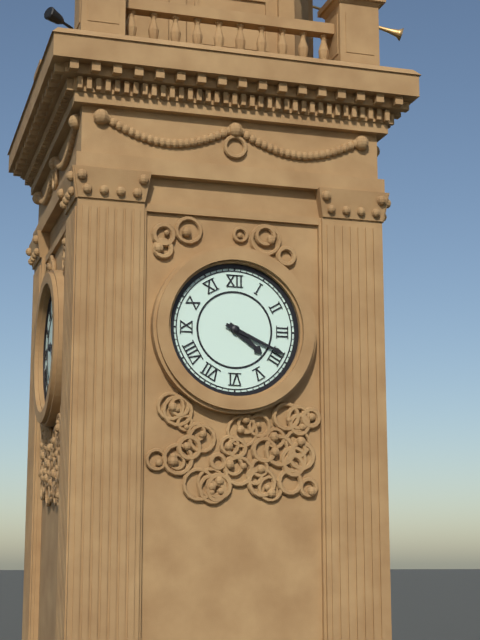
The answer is 4h19
